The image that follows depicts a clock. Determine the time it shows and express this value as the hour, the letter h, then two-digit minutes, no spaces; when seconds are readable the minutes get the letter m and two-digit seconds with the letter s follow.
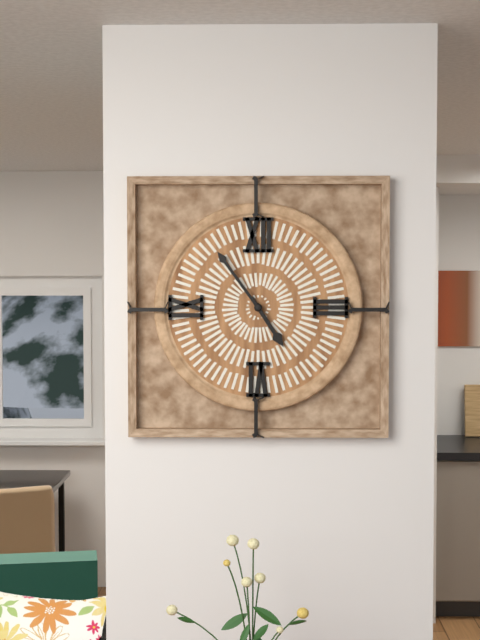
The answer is 4h54
